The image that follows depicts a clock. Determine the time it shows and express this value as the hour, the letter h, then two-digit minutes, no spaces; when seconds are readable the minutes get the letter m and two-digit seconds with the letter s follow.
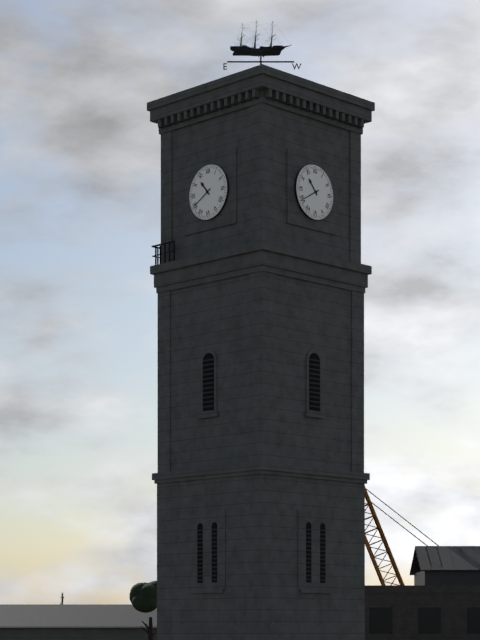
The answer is 10h40
